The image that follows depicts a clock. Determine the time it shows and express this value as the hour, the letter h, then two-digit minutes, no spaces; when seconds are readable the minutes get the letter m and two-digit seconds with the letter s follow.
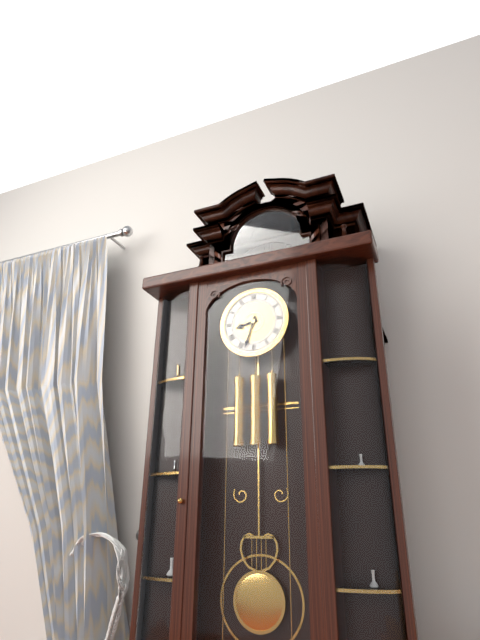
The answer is 8h33
